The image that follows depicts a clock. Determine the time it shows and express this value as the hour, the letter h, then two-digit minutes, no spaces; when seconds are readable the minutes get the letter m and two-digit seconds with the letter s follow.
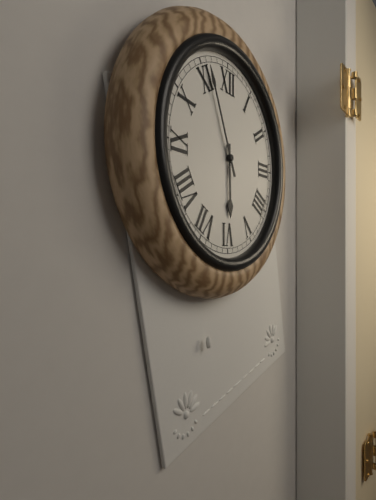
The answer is 5h56
